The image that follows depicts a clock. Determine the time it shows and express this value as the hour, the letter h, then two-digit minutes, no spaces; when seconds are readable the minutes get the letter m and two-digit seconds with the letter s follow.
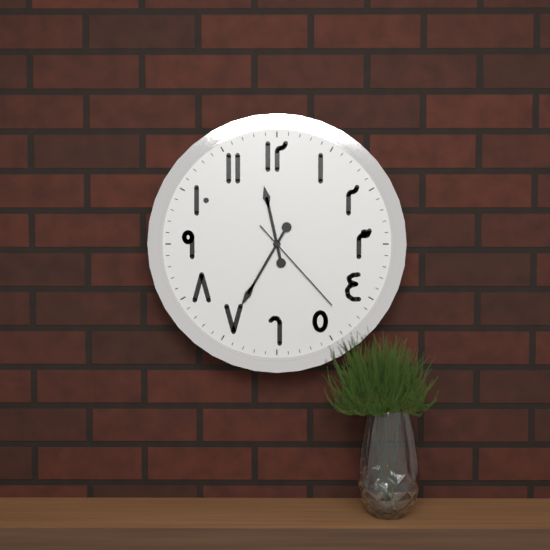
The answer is 11h35m23s
